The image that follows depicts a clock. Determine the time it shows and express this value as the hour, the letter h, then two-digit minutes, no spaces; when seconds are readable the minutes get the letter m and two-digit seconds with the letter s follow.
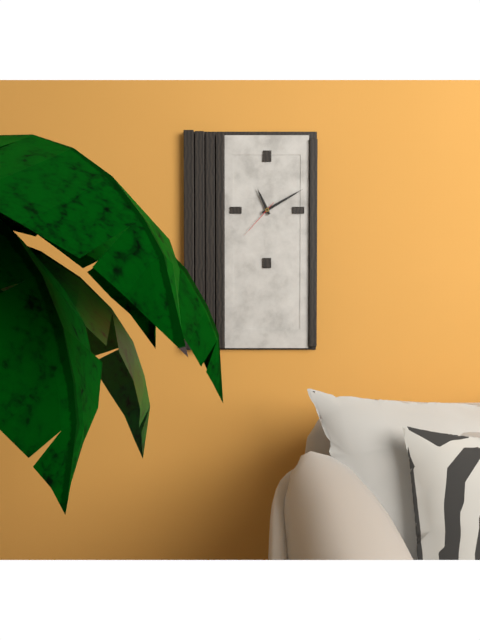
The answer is 11h10
